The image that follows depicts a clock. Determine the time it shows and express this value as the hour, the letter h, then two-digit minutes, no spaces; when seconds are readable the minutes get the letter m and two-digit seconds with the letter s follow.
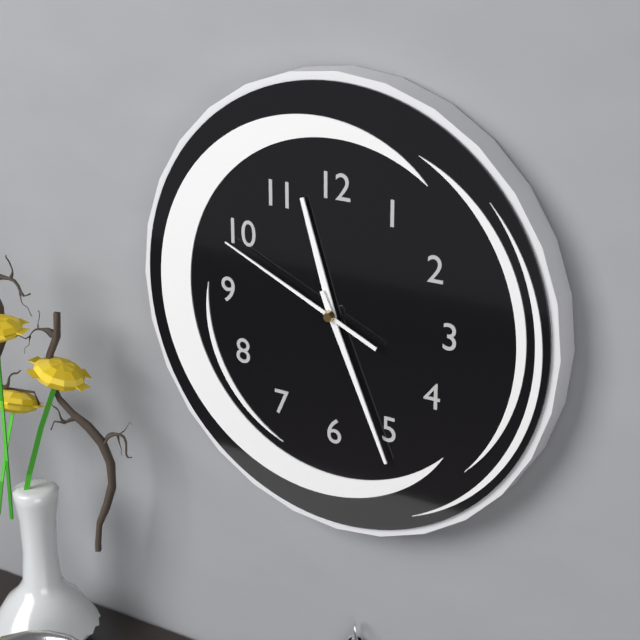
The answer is 11h26m49s
